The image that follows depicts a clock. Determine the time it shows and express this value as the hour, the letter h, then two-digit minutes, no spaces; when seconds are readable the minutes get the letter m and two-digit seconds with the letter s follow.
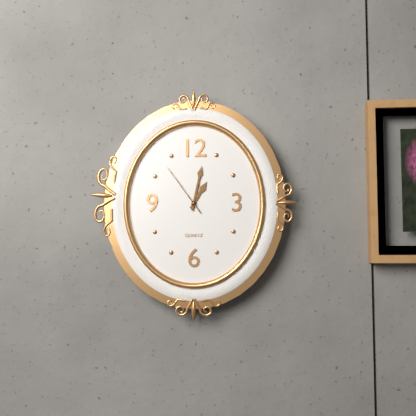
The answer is 1h02m54s
